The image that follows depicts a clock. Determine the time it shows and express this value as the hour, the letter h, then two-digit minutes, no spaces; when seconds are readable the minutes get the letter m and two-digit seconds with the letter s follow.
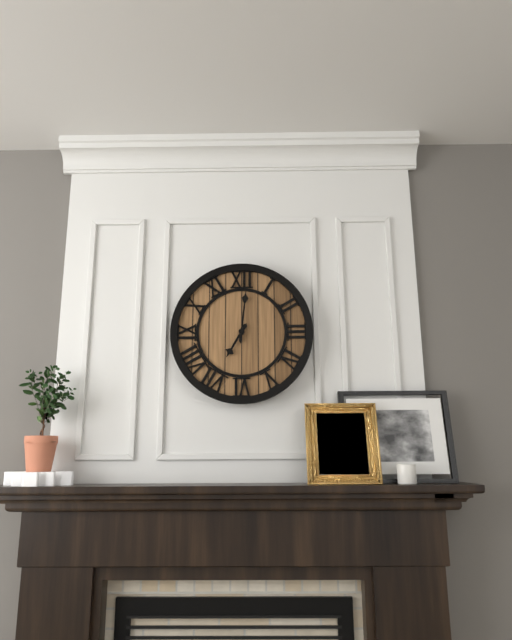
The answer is 7h01
